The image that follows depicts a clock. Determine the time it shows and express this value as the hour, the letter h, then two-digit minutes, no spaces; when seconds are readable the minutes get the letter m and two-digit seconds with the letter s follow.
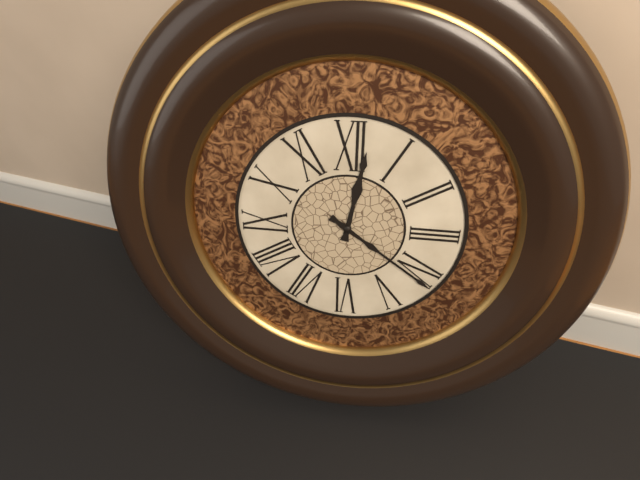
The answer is 12h21
